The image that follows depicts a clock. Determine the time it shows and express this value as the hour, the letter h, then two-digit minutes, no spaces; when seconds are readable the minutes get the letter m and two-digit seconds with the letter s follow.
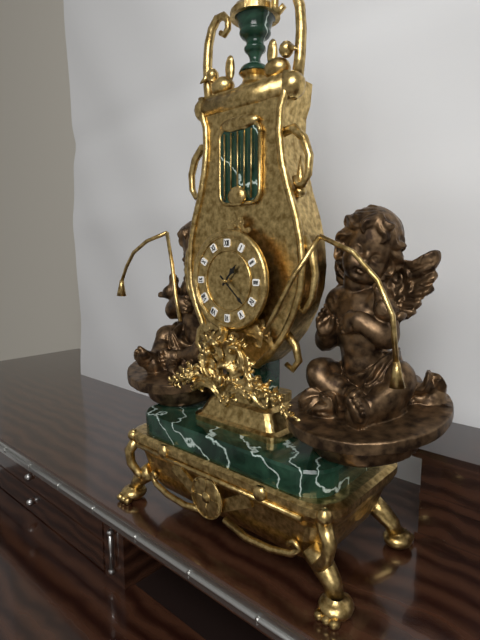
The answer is 1h22
